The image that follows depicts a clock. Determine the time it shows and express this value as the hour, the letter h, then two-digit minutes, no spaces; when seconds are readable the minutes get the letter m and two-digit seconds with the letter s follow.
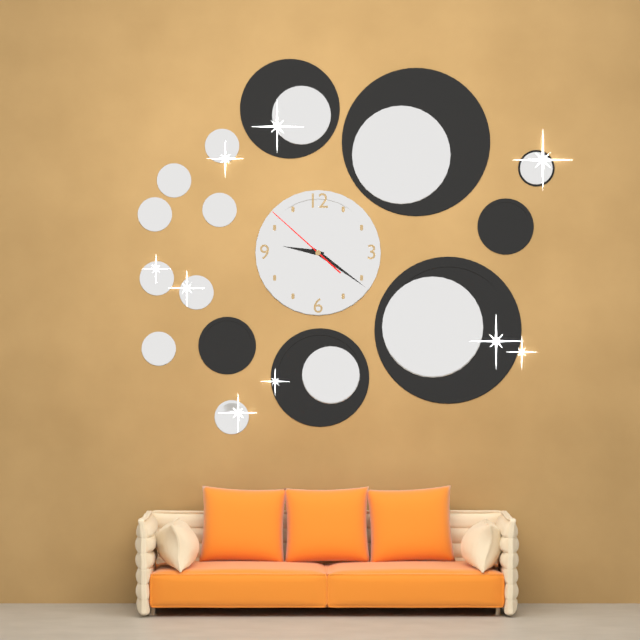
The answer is 9h21m52s
